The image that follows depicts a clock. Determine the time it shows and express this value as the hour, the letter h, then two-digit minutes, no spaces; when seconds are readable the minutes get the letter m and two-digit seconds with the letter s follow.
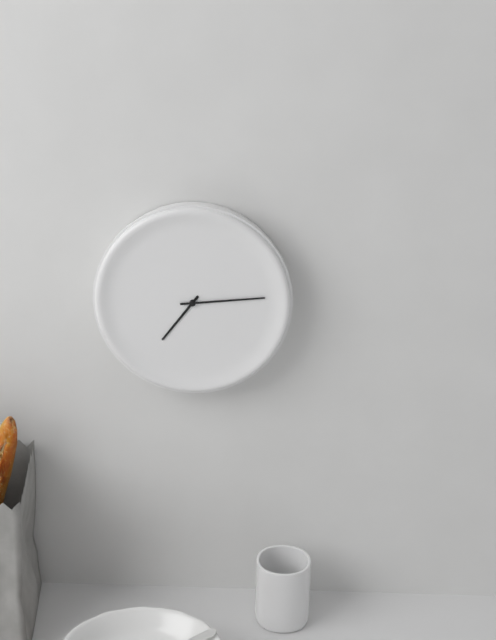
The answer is 7h14
